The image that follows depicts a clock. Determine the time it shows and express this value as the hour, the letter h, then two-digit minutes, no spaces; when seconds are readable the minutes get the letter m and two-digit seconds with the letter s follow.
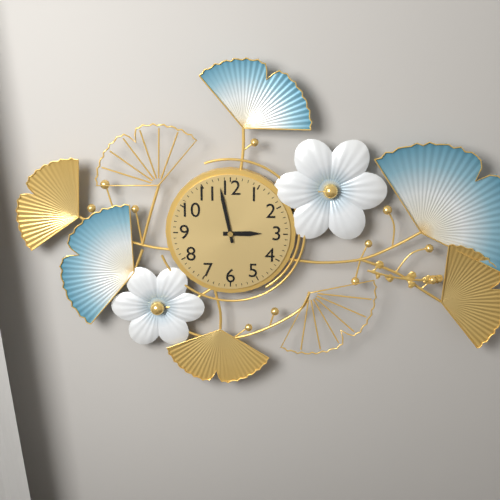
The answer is 2h58
